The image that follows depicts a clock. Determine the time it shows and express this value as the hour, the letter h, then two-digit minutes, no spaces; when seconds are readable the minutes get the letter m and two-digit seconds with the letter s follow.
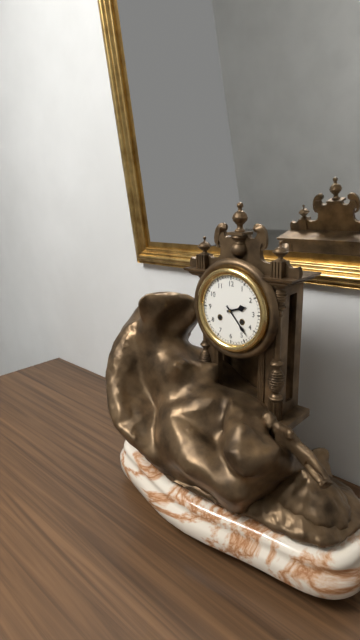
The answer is 2h23
